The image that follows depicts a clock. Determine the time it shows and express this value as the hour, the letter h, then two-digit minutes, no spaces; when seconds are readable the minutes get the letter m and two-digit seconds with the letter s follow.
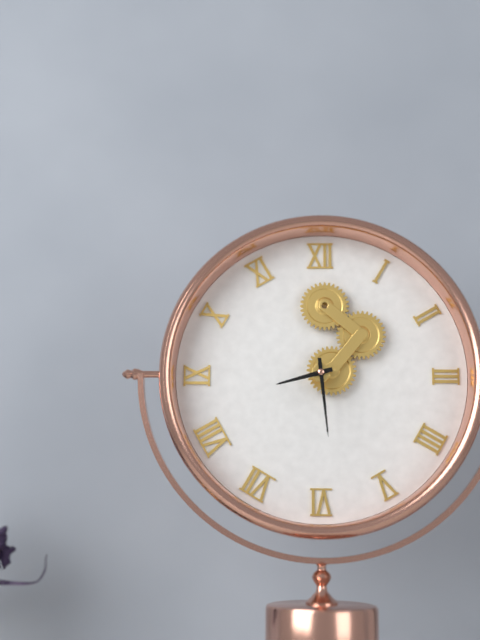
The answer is 8h29
